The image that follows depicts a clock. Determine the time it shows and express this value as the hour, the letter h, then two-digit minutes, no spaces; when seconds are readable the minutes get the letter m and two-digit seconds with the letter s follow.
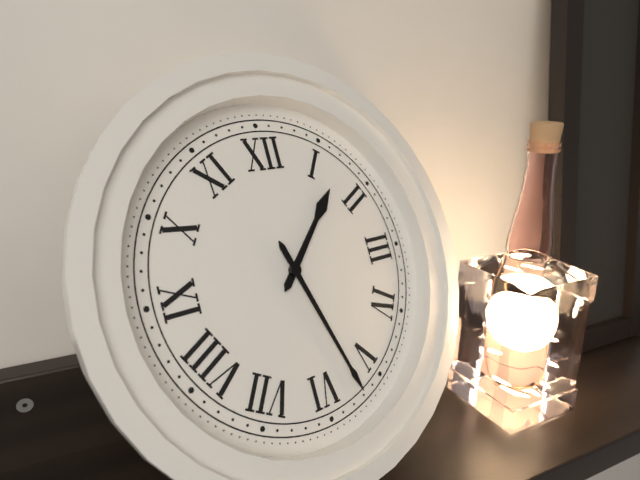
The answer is 1h27
